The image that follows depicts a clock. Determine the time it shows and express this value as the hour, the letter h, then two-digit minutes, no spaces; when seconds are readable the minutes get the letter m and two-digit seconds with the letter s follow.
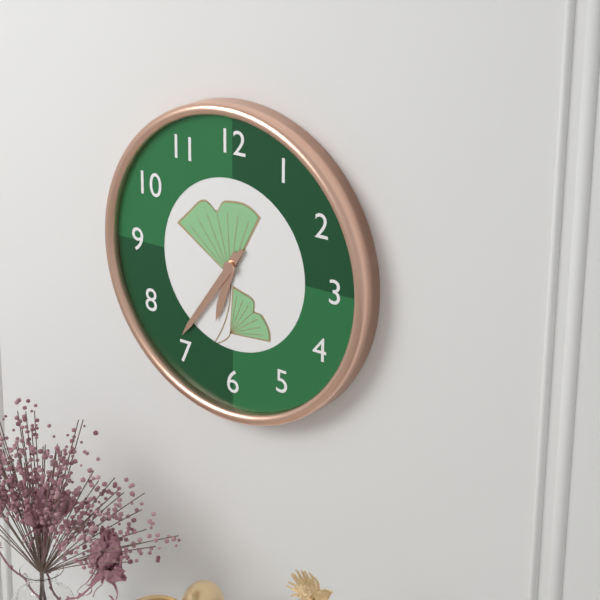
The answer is 6h36
